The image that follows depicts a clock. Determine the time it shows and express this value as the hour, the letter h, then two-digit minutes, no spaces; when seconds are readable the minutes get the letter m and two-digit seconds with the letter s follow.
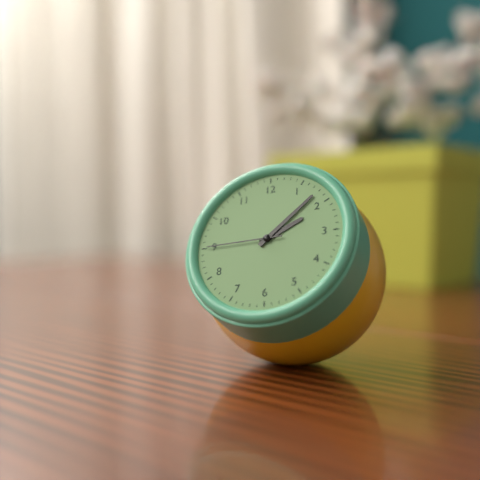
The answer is 2h08m45s
